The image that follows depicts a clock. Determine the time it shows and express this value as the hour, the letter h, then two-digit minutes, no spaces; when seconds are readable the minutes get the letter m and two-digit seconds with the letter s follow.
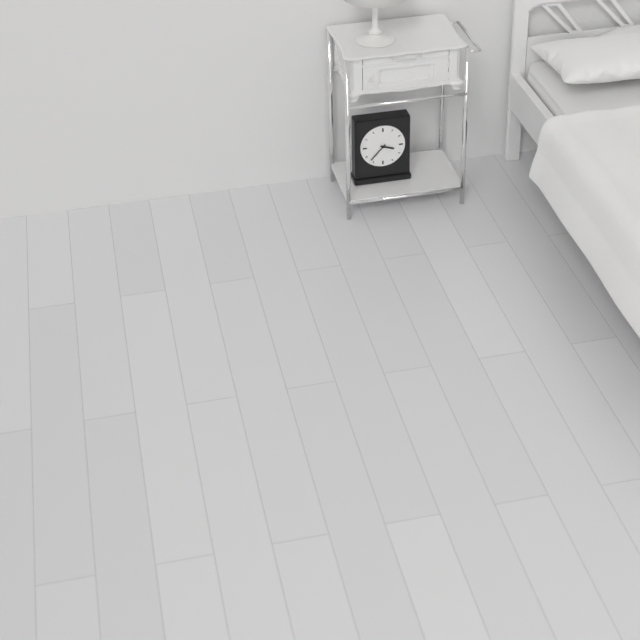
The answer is 3h37
